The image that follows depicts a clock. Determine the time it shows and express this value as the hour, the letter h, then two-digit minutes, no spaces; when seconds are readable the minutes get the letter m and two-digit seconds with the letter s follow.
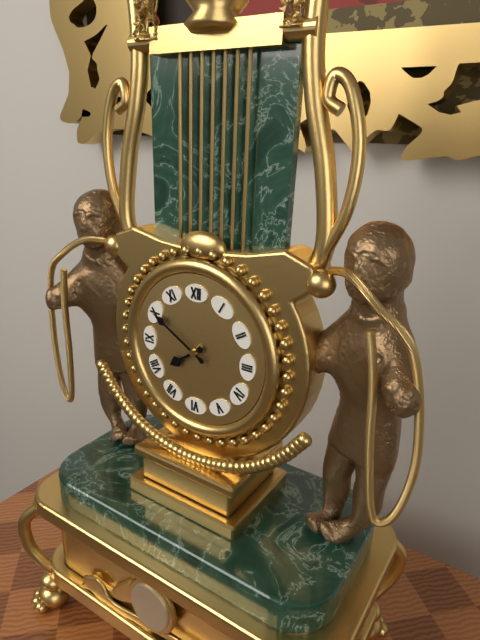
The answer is 7h50
